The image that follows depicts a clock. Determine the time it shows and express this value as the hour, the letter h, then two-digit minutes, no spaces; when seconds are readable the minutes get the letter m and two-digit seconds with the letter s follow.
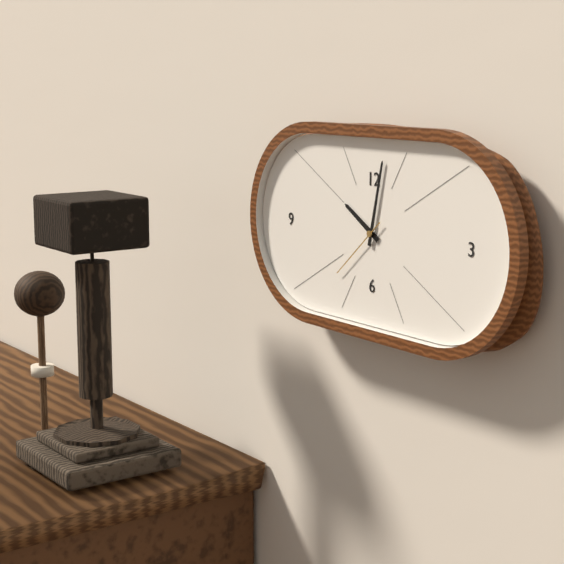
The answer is 10h02m38s
